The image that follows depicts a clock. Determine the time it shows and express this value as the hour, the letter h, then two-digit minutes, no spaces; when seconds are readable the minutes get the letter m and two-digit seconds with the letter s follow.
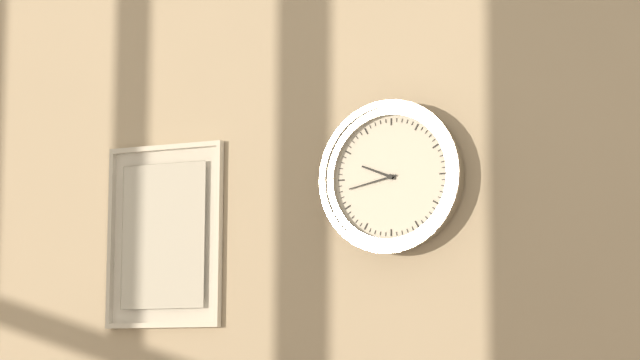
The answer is 9h43
